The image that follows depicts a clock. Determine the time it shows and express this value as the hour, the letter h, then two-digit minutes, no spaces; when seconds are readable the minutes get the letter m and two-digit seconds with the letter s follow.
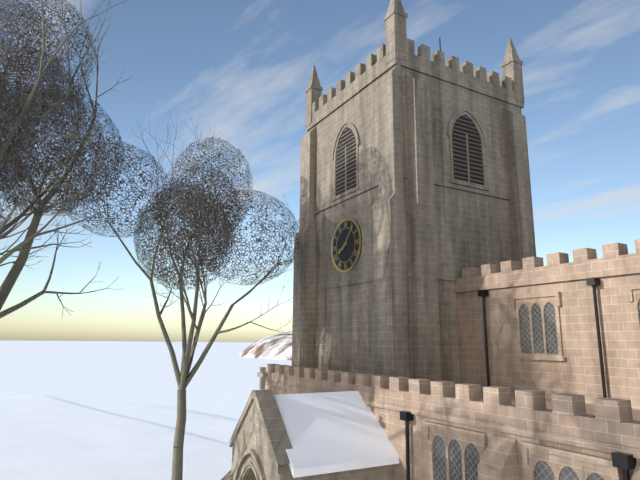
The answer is 8h07
